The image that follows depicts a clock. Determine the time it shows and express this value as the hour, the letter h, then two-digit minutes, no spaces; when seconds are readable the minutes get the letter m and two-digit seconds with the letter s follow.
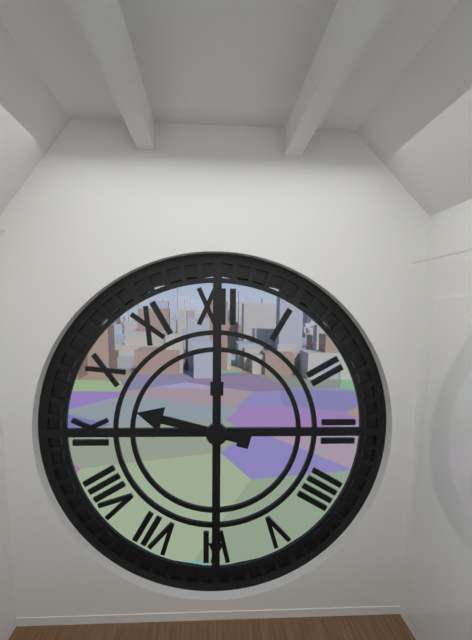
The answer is 9h30
